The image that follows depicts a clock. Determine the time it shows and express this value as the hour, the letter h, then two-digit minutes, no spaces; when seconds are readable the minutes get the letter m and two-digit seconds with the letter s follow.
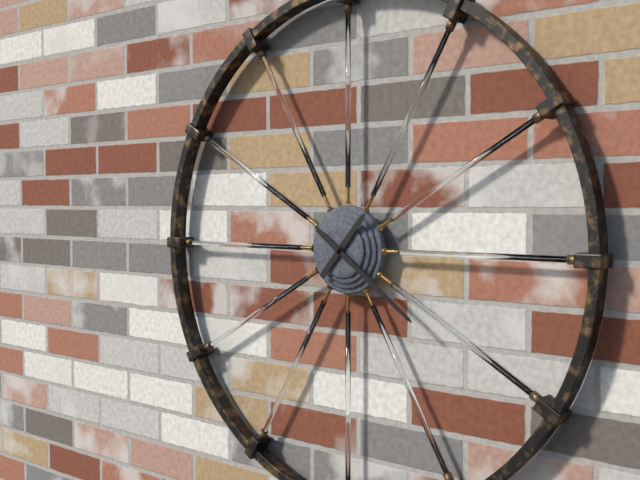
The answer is 1h21
